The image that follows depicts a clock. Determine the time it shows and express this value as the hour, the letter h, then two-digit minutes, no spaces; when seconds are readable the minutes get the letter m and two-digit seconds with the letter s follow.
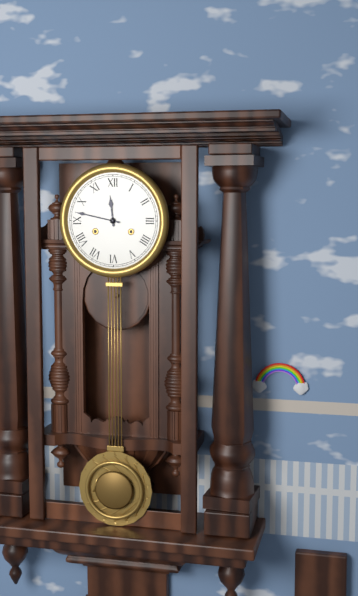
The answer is 11h47
